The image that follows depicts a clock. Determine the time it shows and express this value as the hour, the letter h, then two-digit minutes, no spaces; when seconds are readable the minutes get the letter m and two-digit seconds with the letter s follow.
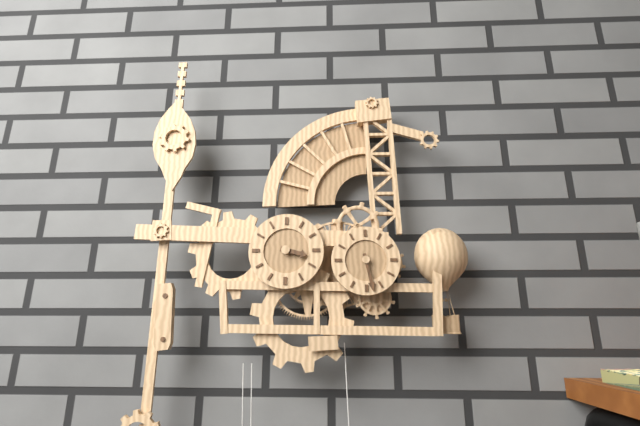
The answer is 3h28
